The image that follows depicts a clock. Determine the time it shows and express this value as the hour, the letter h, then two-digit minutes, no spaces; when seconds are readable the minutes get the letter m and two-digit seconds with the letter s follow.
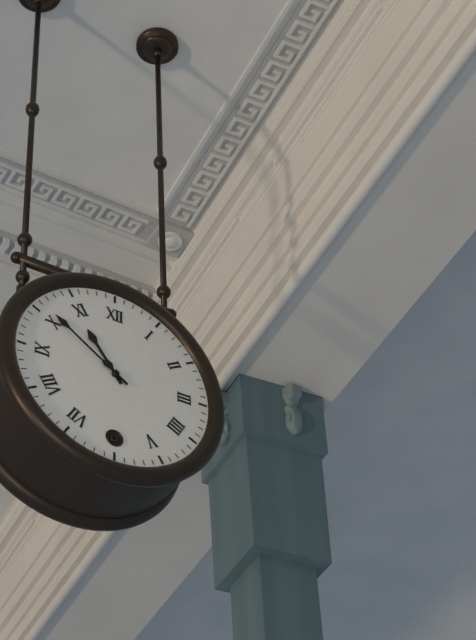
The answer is 10h51
